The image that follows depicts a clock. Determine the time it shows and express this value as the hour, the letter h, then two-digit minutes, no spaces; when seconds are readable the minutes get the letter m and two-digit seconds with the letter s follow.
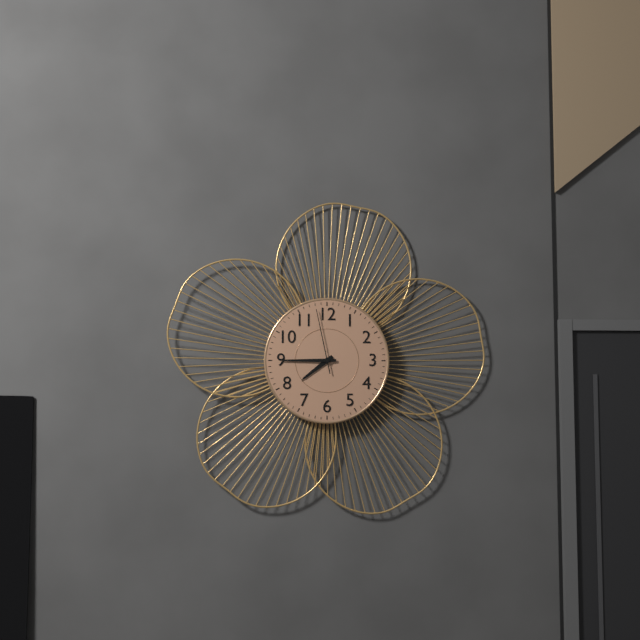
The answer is 7h45m58s
